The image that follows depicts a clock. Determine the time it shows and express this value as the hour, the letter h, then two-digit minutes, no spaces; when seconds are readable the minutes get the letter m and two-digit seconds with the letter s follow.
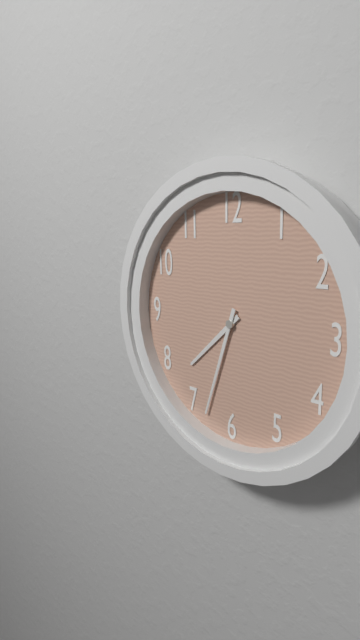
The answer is 7h33
